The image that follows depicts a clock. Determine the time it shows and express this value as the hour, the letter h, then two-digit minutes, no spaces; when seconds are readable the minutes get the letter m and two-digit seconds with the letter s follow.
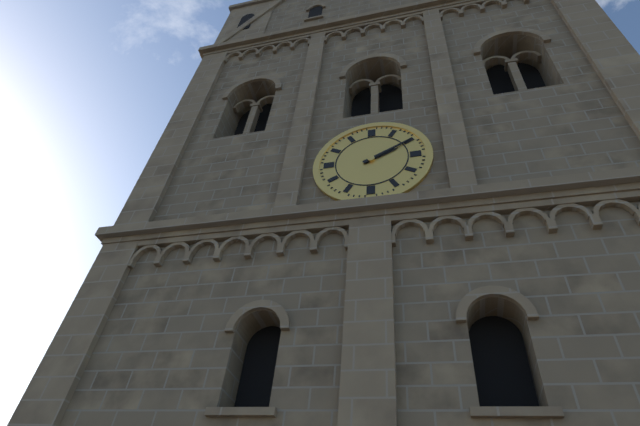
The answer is 2h10
